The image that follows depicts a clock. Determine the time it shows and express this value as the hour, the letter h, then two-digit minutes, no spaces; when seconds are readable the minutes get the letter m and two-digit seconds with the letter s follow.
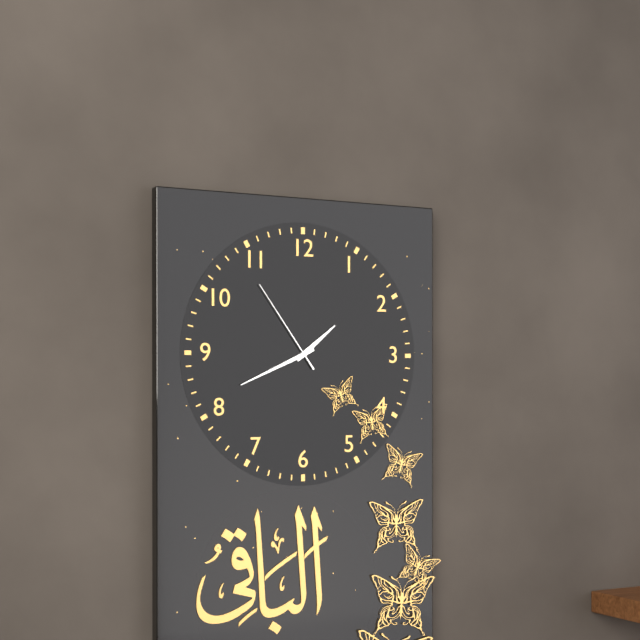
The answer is 1h41m54s
